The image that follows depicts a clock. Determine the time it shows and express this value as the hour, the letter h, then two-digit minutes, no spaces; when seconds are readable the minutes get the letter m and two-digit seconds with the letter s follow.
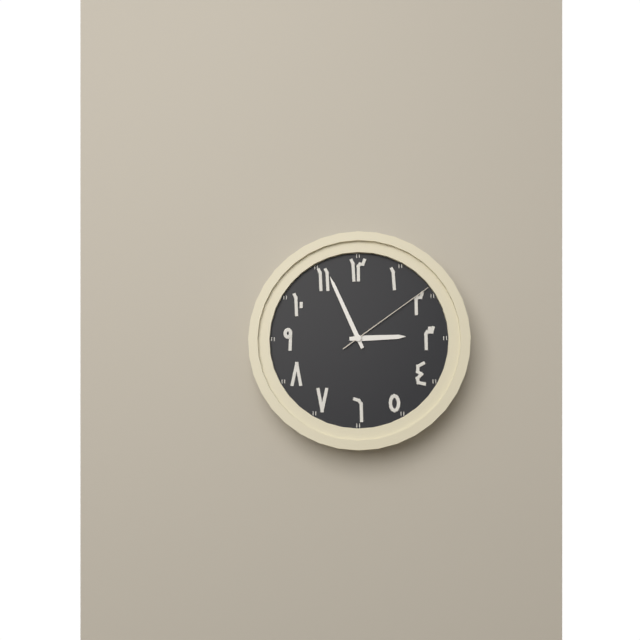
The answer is 2h56m09s
